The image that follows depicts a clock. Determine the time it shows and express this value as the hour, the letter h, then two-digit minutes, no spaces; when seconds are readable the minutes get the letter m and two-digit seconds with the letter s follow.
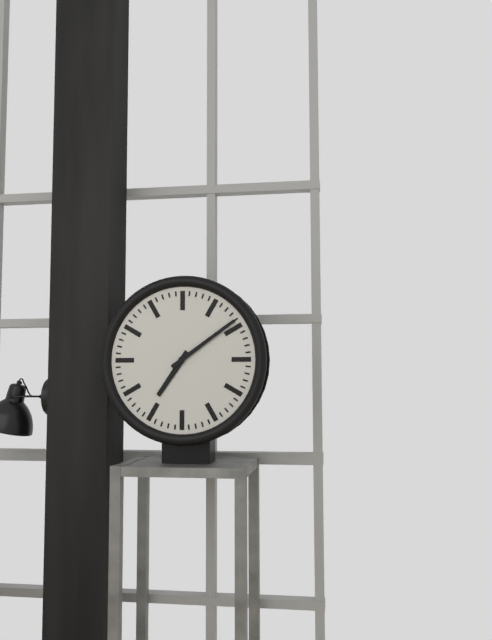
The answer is 7h09
